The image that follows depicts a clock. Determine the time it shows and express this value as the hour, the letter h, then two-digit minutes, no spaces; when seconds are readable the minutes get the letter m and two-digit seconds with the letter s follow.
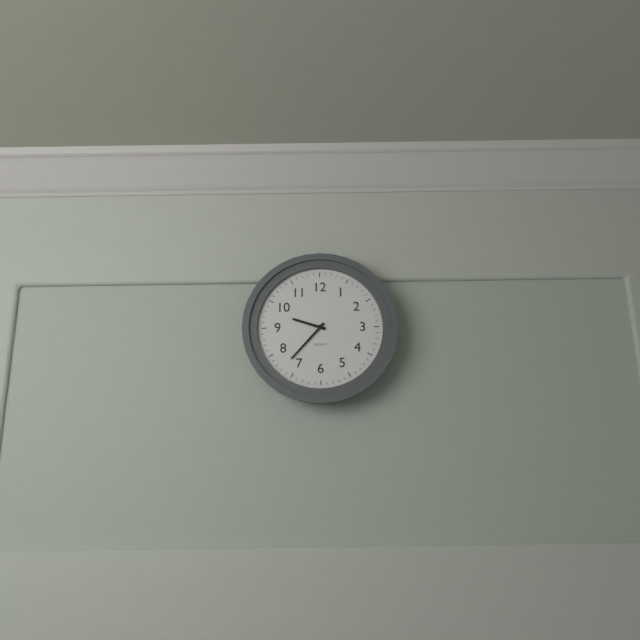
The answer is 9h37
